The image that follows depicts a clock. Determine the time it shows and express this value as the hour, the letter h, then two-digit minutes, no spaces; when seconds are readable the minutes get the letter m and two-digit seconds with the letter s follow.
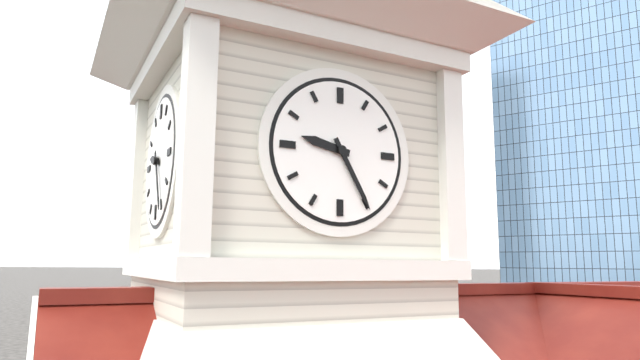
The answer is 9h25
